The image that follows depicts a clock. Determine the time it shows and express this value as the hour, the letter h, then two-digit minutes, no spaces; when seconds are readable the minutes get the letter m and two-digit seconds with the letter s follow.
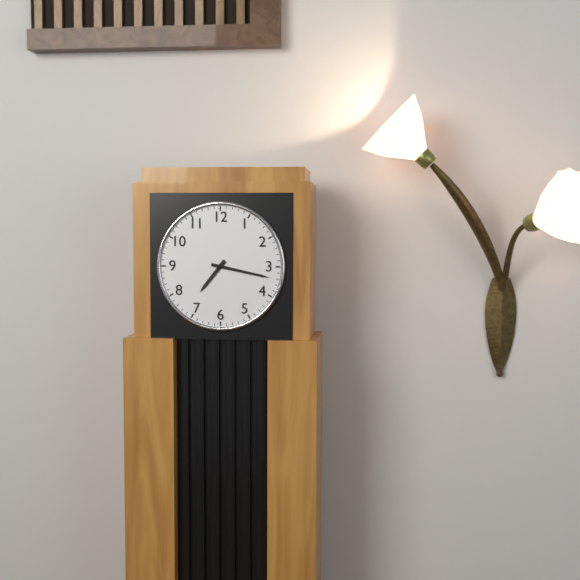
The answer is 7h17
